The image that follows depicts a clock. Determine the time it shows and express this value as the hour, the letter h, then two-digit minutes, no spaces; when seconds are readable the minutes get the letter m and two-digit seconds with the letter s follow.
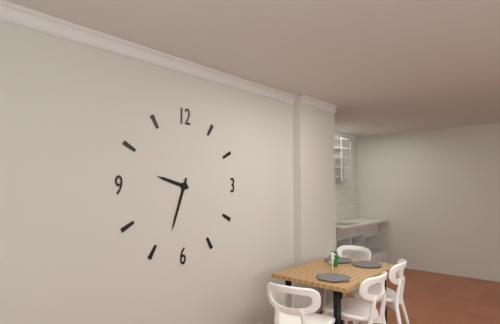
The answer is 9h33
